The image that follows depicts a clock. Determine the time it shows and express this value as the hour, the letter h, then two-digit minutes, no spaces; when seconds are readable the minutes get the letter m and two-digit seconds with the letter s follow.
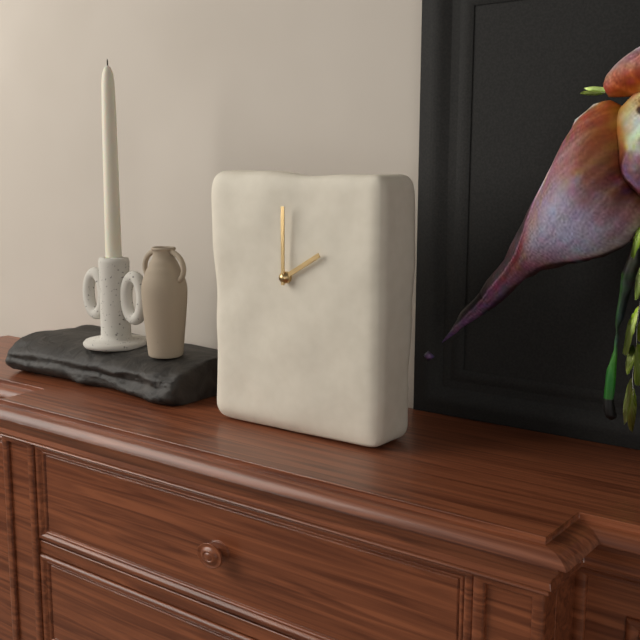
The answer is 2h00
